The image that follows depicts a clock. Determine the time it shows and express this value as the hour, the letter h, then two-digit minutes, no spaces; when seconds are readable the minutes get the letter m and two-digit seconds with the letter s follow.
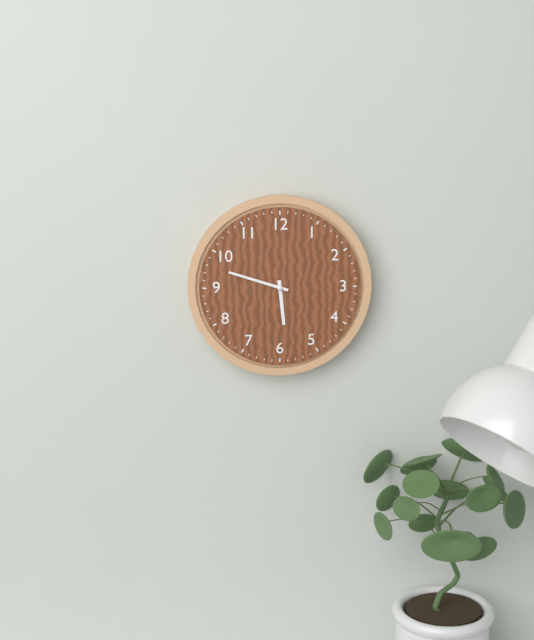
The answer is 5h48
